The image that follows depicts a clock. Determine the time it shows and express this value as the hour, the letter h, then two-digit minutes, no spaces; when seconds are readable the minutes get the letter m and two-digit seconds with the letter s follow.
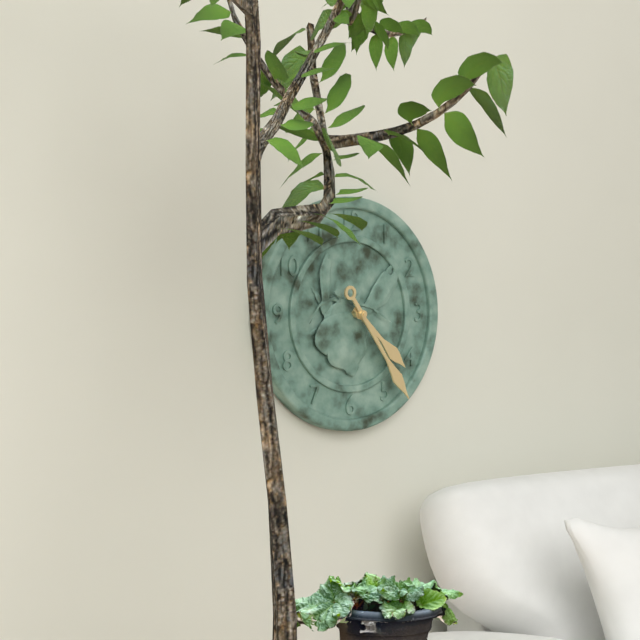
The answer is 4h24
